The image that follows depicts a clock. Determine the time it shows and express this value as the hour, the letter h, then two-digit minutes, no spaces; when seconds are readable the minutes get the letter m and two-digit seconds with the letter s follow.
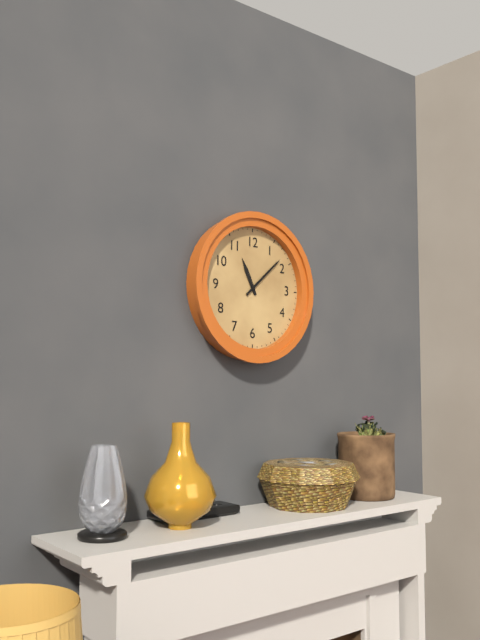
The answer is 11h08
